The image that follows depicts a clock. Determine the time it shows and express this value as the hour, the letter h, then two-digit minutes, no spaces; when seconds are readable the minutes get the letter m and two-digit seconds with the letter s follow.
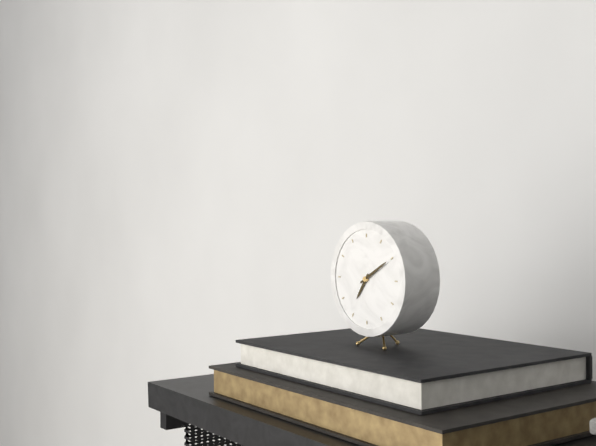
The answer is 7h10
